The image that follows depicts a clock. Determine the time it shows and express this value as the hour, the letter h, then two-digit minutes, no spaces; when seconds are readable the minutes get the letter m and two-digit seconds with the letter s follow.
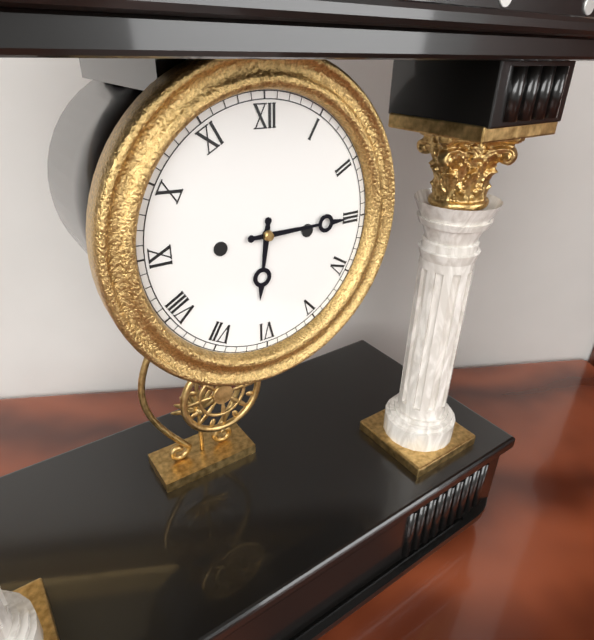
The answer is 6h15
